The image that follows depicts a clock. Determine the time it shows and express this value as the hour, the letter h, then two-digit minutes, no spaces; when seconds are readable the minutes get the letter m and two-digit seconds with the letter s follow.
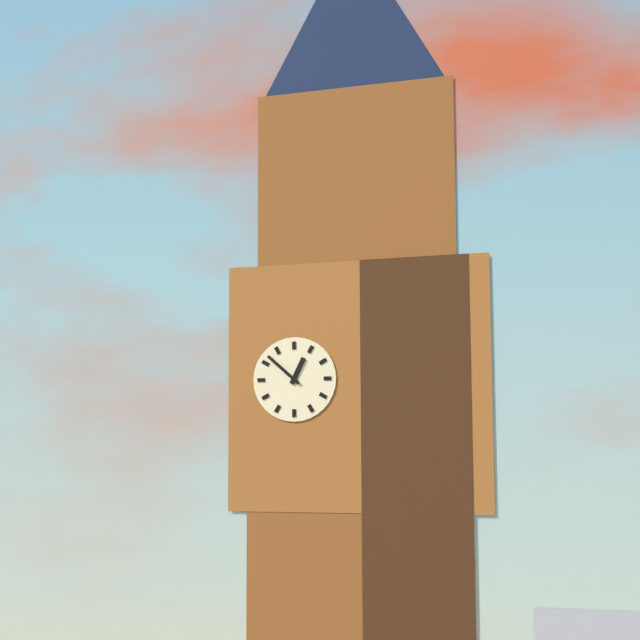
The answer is 12h52
